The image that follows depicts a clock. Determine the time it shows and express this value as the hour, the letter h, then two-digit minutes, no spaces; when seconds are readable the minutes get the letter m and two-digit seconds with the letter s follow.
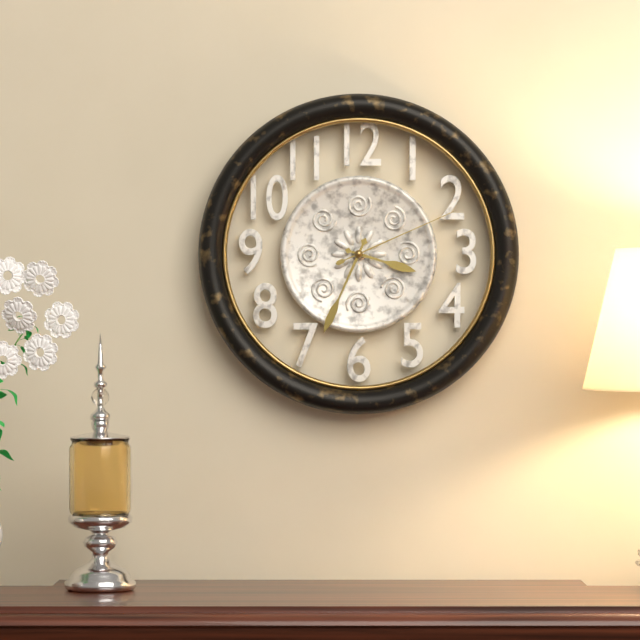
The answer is 3h34m11s
